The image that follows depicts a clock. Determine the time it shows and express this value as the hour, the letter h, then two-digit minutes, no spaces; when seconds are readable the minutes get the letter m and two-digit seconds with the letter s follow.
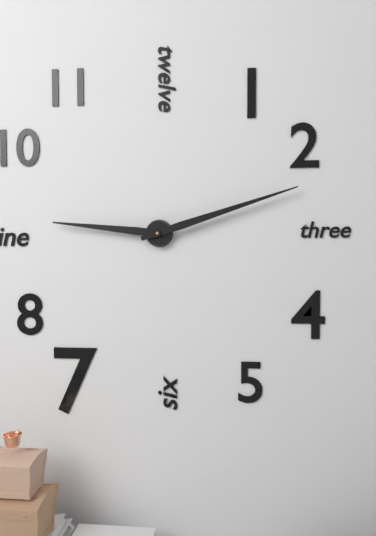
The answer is 9h12
